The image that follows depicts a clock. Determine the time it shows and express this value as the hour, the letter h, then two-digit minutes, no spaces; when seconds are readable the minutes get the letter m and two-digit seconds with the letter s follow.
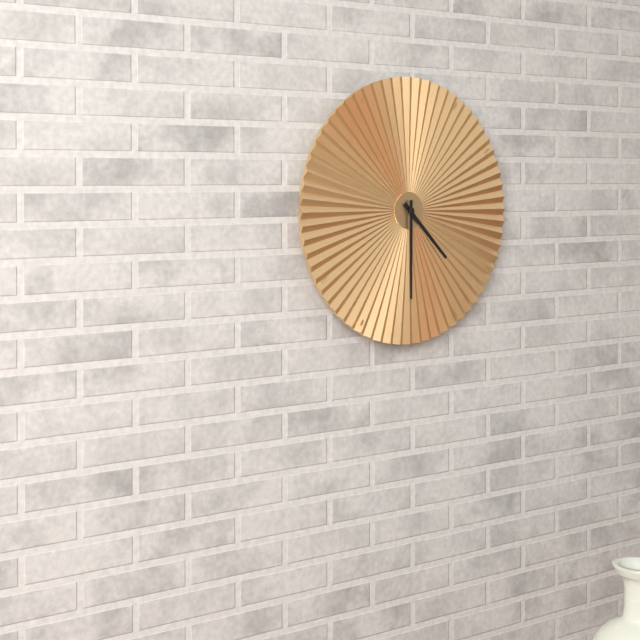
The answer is 4h30
